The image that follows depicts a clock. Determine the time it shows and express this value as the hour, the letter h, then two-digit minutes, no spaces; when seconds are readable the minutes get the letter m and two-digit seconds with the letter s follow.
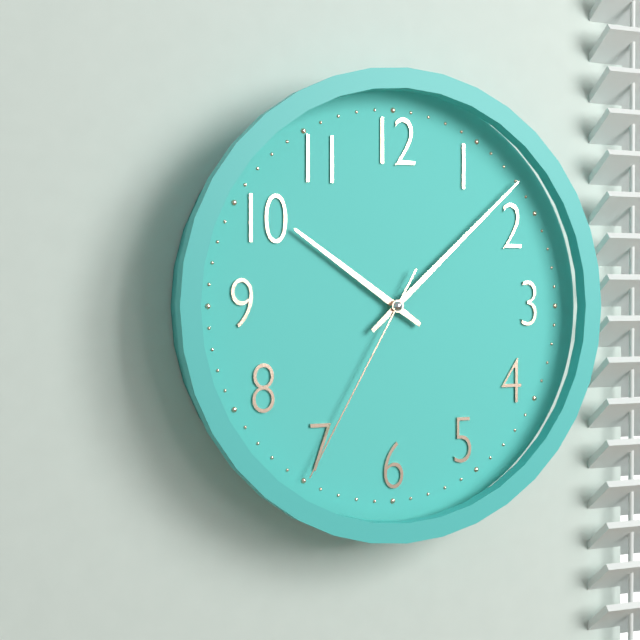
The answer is 10h08m35s
